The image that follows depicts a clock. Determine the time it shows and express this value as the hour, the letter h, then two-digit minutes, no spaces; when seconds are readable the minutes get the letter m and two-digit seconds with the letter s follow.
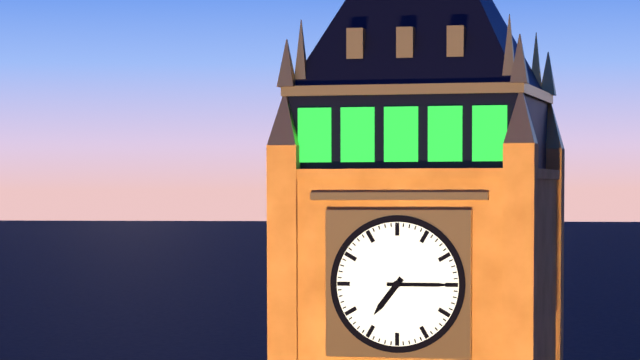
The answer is 7h15
